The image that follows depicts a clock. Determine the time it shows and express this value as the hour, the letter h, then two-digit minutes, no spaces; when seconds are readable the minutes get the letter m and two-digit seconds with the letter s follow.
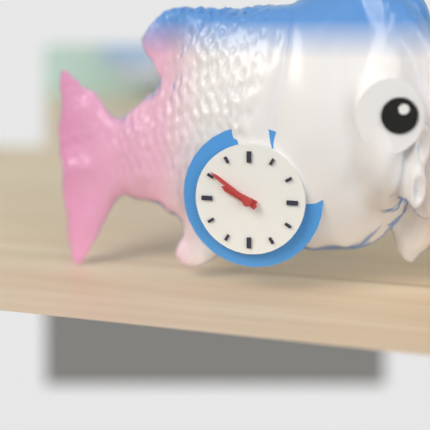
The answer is 9h51
